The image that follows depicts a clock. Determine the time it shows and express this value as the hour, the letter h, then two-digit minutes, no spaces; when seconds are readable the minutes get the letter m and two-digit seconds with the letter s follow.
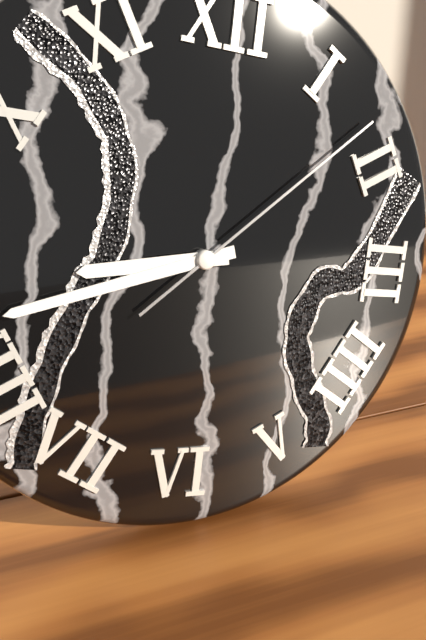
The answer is 8h42m08s
